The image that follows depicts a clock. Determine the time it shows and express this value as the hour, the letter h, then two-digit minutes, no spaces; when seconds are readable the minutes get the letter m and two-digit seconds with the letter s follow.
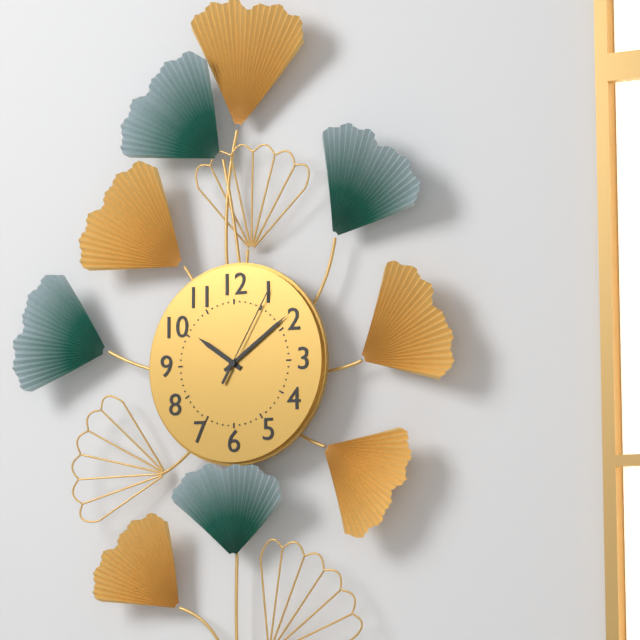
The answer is 10h09m05s
